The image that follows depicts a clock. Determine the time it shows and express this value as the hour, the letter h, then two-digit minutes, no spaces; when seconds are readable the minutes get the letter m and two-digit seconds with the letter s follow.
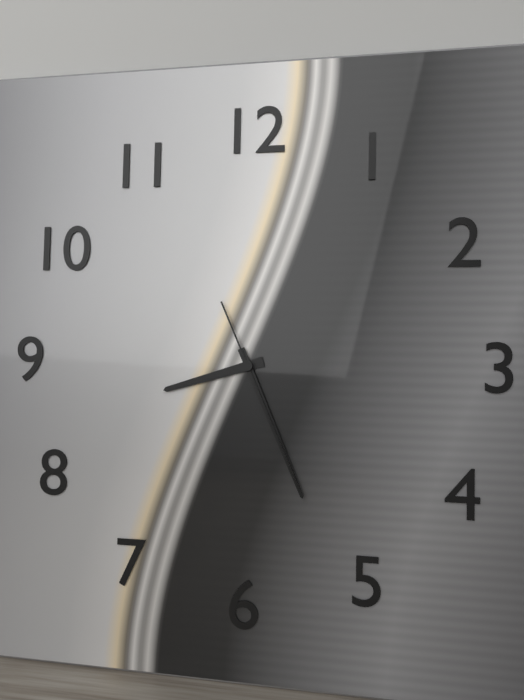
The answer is 8h26m26s
